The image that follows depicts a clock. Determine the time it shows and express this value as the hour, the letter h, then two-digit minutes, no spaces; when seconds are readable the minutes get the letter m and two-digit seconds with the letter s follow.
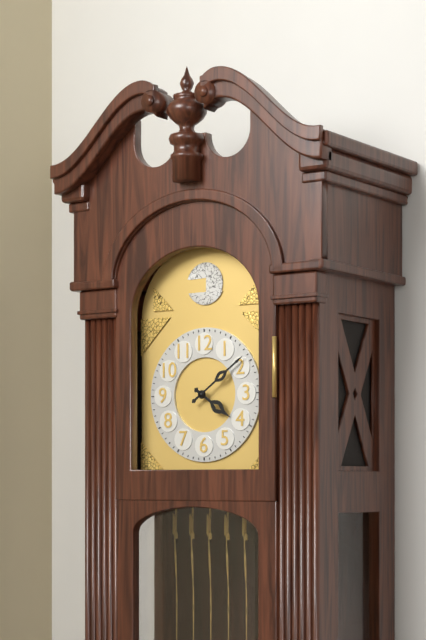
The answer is 4h09
